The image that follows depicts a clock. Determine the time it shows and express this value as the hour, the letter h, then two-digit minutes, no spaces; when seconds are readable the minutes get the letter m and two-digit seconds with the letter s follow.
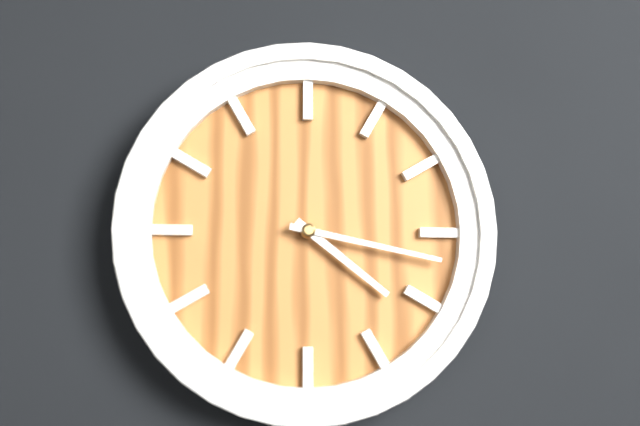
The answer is 4h17
